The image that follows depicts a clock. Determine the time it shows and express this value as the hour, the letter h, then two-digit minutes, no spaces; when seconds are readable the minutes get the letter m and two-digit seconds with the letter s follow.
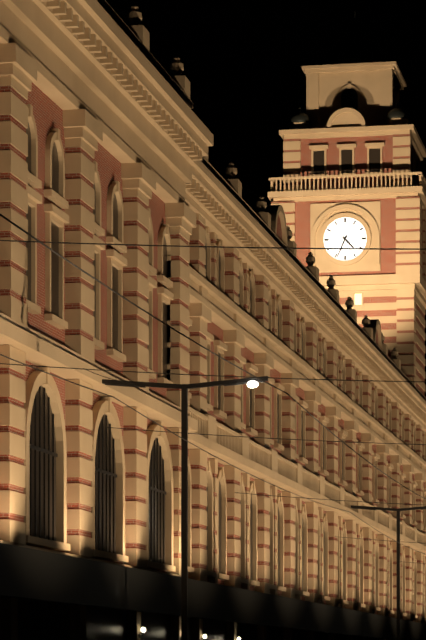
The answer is 4h34
